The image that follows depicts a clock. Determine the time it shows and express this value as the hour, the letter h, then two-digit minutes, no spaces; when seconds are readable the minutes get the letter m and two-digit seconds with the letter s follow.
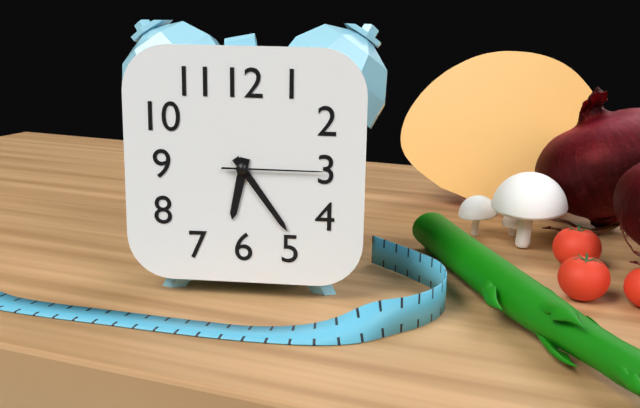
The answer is 6h24m15s
